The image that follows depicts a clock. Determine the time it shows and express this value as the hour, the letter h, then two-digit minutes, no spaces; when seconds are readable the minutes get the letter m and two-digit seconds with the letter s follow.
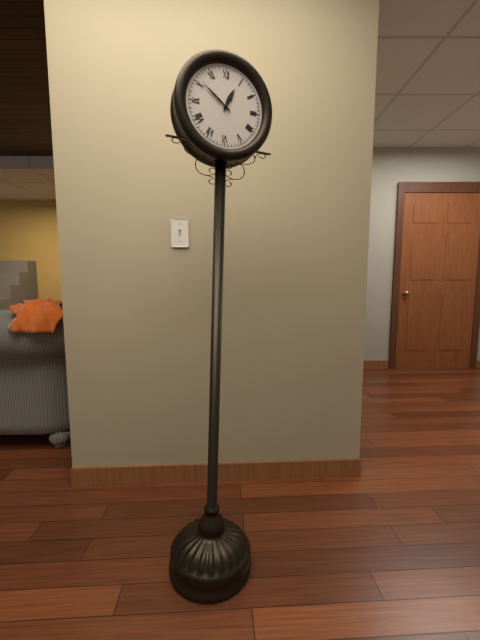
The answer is 12h51
